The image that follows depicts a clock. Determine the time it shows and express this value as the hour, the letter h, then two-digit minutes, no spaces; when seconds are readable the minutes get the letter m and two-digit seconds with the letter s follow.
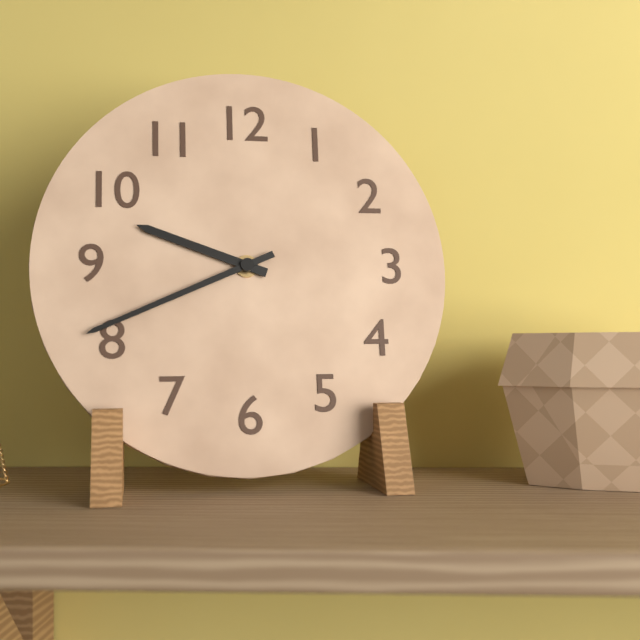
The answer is 9h41
